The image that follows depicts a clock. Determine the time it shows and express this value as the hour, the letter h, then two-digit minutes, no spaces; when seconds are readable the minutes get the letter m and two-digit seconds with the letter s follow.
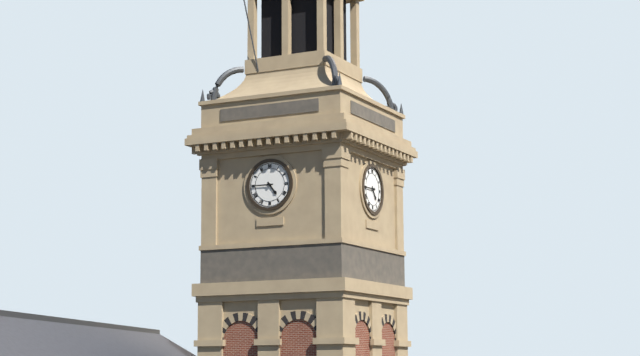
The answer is 4h45
